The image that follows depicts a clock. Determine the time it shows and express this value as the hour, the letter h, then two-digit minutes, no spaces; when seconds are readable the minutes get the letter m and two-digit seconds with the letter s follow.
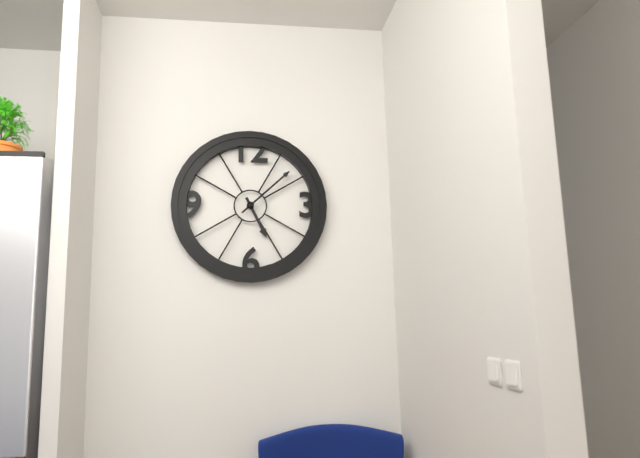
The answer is 5h08
